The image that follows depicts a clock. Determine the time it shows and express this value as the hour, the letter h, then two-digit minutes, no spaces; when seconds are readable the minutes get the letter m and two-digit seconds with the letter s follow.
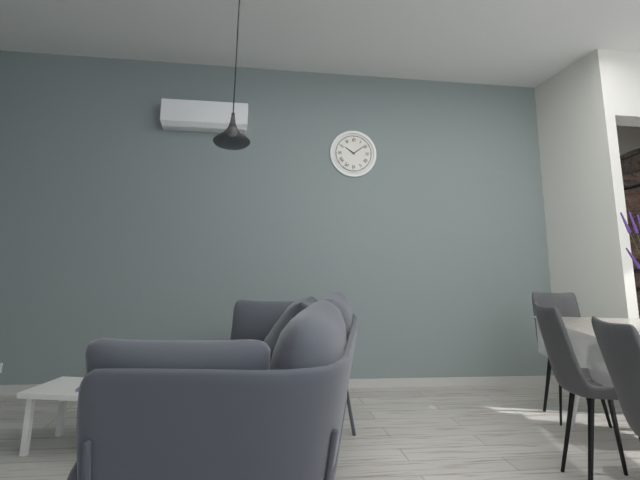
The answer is 10h09
